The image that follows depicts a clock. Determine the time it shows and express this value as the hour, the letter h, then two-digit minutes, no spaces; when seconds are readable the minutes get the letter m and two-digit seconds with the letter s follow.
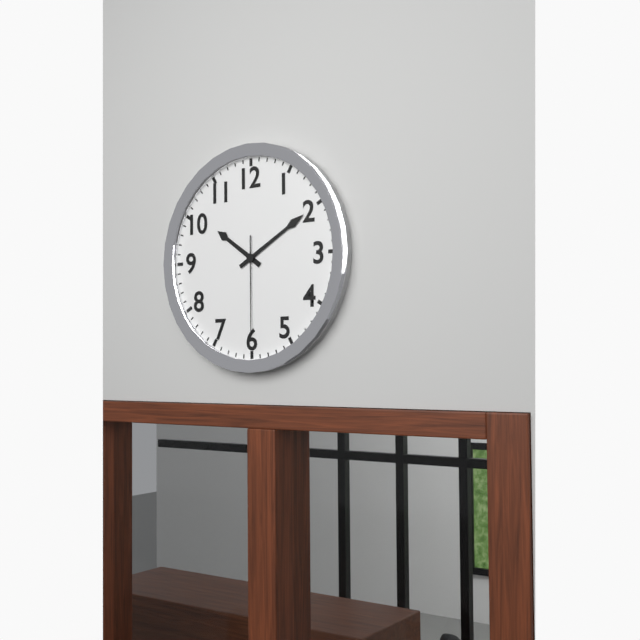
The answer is 10h10m30s
